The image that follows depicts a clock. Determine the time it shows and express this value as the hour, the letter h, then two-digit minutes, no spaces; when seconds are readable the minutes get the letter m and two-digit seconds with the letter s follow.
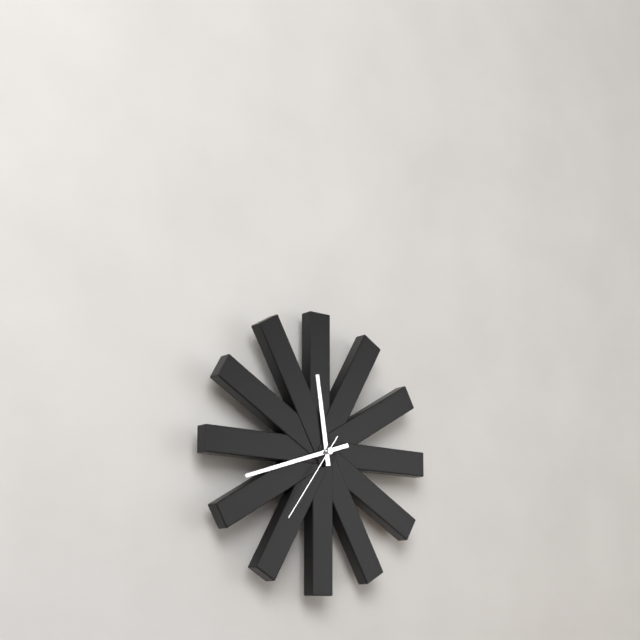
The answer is 11h42m36s
